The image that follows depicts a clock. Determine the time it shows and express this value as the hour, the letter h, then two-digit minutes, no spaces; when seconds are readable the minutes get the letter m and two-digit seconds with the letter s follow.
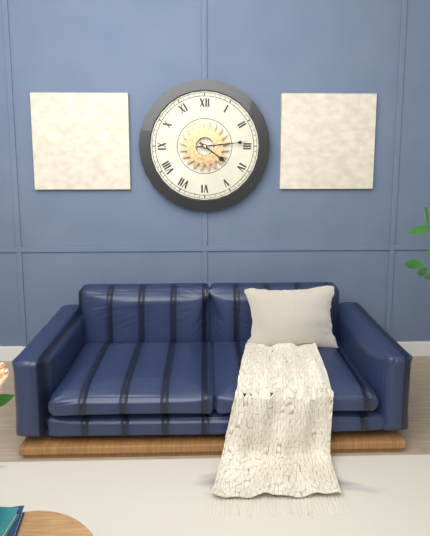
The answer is 4h14
